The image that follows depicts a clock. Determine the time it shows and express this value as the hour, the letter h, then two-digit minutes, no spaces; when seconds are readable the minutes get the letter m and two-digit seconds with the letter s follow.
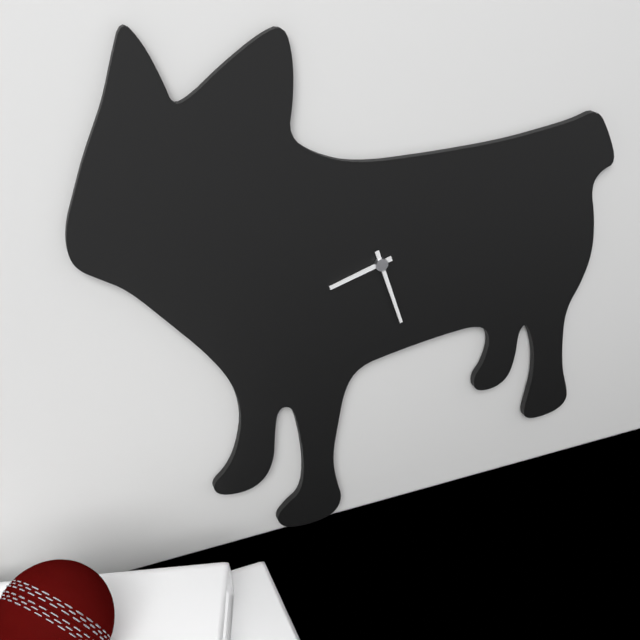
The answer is 8h27
